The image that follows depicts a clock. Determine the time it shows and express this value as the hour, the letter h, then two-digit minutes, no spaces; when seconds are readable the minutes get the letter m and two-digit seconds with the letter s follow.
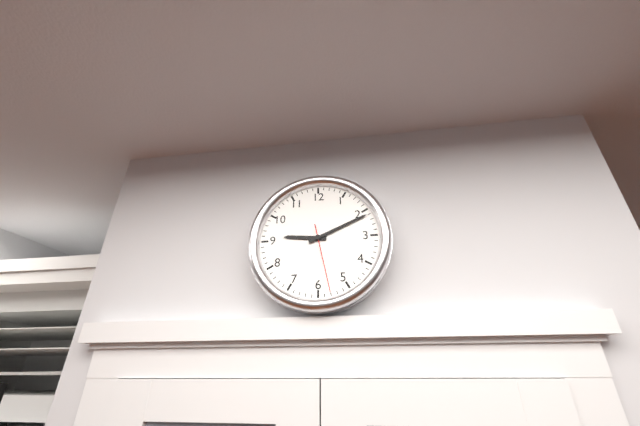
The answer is 9h11m28s
